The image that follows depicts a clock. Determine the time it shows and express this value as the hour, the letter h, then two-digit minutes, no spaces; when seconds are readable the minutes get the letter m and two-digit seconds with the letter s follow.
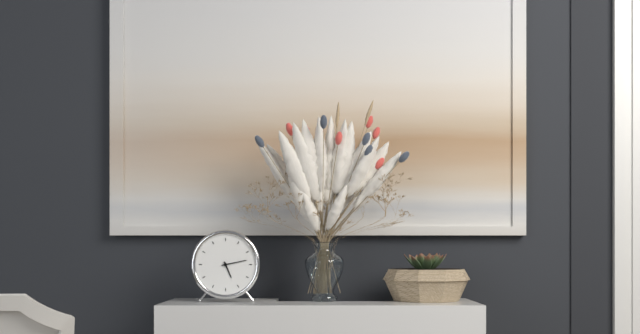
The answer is 5h13
